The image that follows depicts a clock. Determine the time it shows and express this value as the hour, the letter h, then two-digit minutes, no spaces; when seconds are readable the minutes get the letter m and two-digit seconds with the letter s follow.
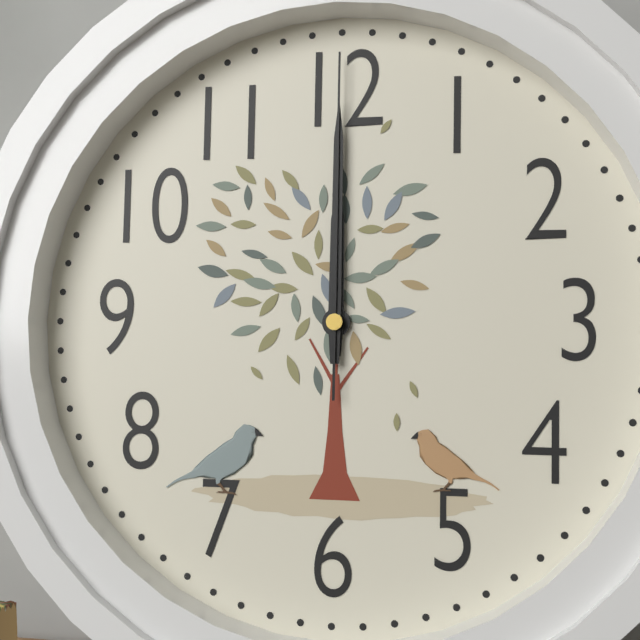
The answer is 12h00m00s
